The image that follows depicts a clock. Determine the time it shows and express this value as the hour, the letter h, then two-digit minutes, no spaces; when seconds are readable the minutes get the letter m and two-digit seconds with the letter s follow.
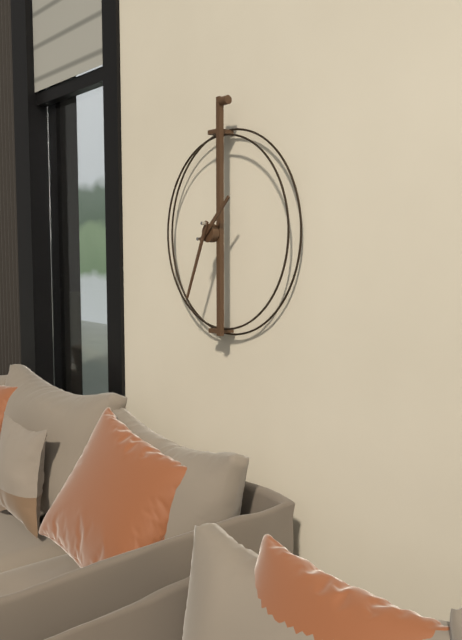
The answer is 1h34
